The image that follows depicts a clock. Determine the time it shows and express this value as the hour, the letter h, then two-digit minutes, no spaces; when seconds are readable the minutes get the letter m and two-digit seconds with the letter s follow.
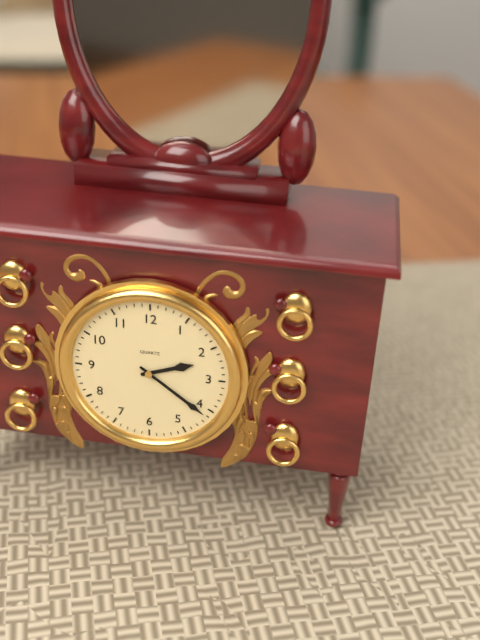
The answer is 2h21
